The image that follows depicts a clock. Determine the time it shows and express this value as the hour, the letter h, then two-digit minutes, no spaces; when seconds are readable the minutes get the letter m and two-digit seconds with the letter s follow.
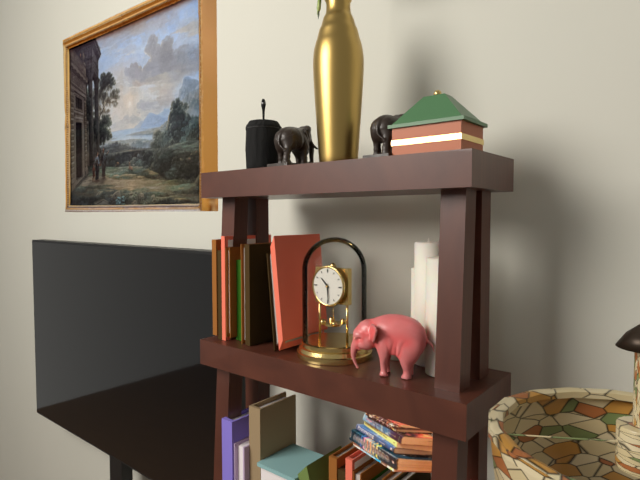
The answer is 10h29
